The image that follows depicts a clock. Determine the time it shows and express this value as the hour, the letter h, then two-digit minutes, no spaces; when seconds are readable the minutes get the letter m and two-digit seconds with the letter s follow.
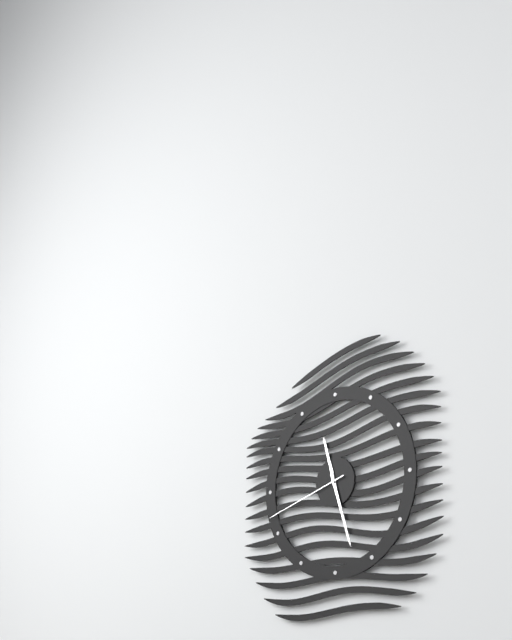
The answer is 11h27m42s
